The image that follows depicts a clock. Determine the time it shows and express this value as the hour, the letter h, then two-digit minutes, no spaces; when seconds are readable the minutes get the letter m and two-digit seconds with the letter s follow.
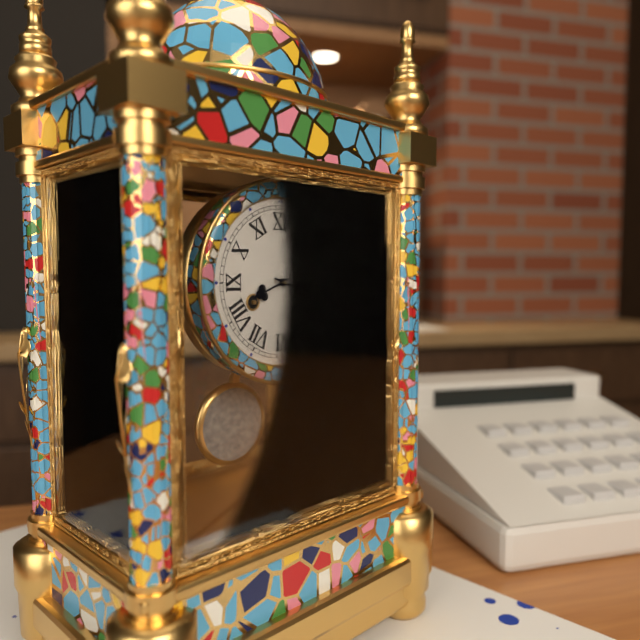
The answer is 8h18
